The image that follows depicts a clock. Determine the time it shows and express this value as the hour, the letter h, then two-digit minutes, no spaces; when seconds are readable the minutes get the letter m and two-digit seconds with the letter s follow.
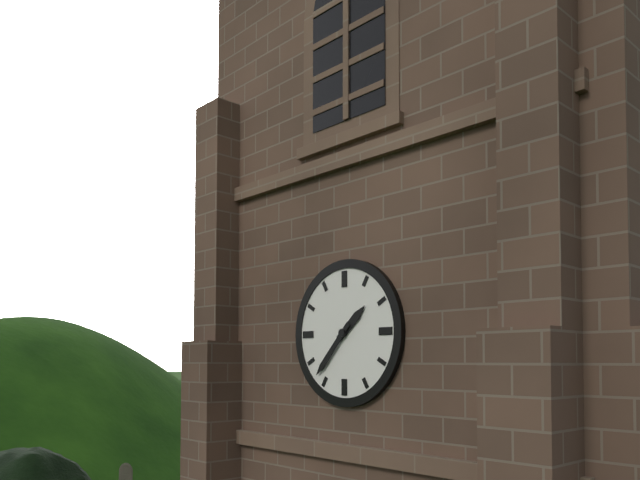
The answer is 1h37
